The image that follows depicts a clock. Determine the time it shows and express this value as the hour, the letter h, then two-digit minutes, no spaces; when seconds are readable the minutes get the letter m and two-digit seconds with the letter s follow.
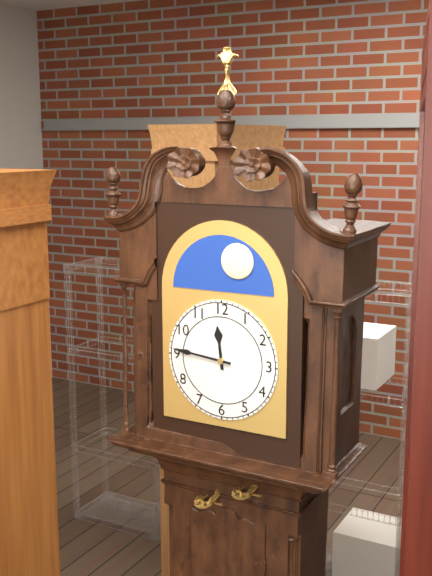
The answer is 11h46
